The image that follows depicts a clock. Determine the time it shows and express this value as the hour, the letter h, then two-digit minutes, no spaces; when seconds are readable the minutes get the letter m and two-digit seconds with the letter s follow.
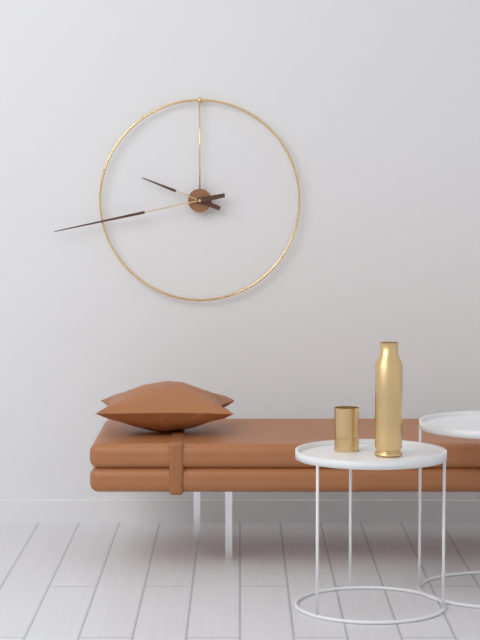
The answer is 9h43
